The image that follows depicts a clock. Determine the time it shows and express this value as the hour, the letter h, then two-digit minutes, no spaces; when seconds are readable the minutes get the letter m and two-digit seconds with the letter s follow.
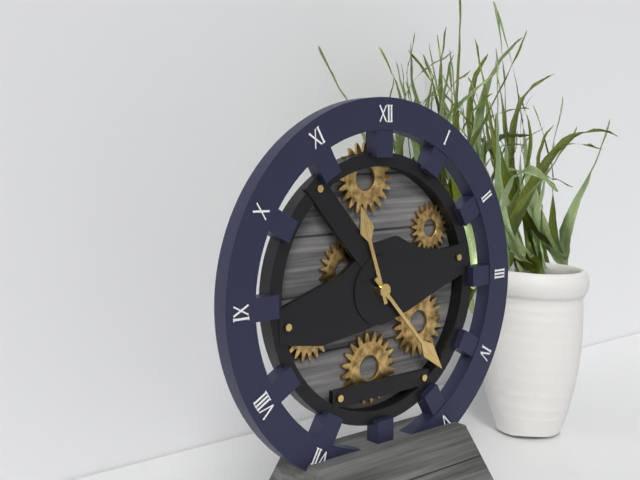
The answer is 11h23
